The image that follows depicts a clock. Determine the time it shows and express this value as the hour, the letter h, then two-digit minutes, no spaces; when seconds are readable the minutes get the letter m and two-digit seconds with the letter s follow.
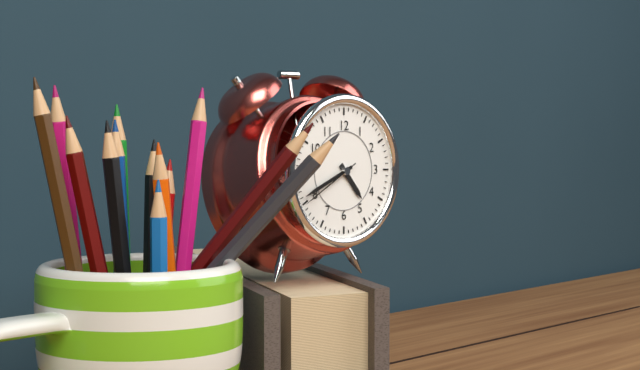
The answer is 4h41m40s
